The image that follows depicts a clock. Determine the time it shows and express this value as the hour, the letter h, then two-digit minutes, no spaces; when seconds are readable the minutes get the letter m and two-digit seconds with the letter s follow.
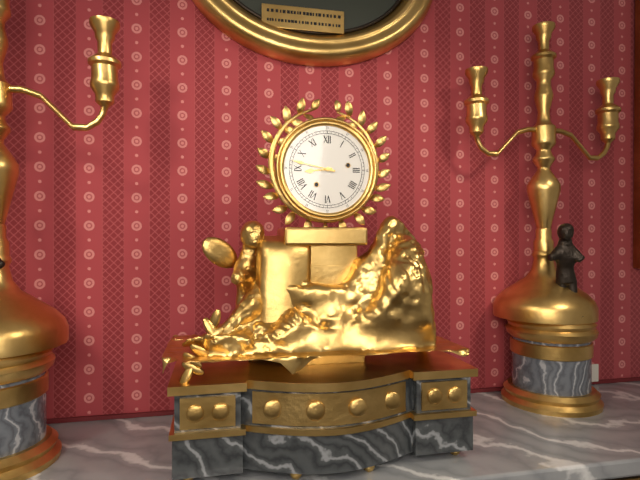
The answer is 8h47
